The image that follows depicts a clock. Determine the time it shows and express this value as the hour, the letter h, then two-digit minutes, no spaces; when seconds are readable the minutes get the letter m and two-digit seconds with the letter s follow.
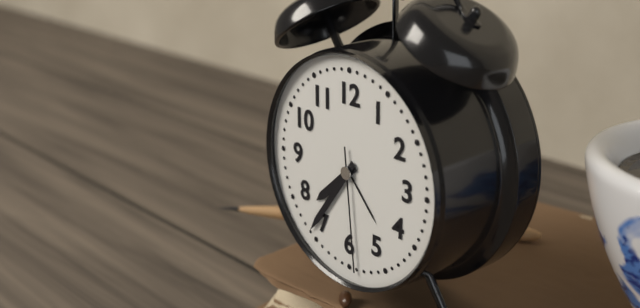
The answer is 7h36m29s
